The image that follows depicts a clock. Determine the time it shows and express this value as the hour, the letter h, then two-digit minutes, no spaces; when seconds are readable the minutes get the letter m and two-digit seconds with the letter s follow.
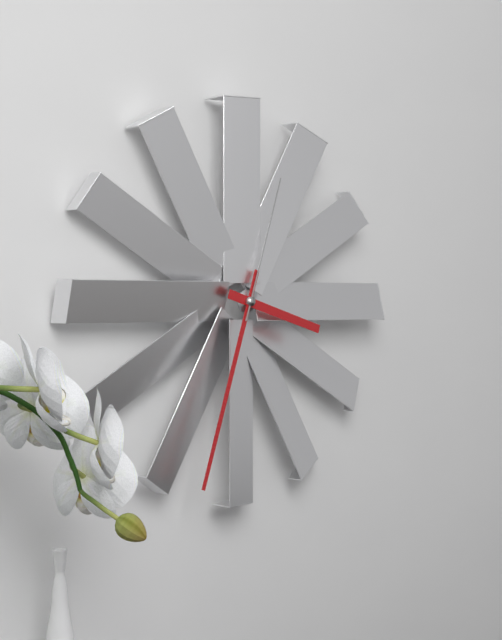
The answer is 3h33m03s
